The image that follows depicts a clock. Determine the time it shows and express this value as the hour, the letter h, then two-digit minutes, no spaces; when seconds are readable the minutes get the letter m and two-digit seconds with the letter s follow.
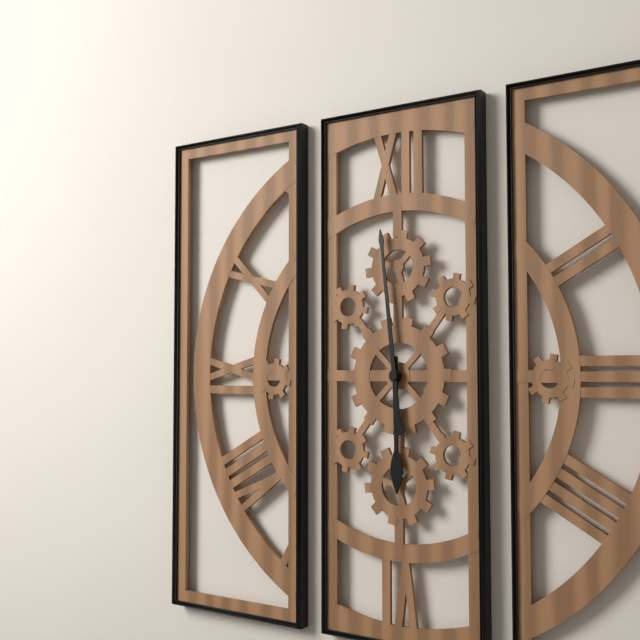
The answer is 5h59
